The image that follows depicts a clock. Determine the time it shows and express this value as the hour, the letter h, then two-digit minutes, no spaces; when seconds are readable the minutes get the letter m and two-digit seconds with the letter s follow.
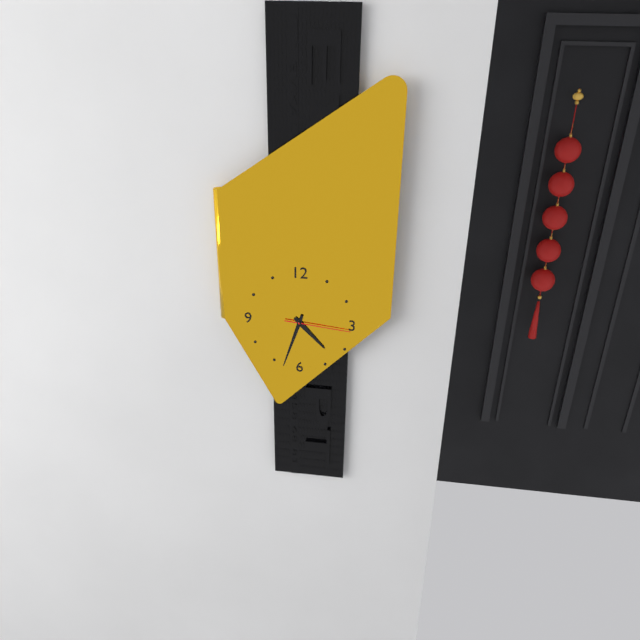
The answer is 4h33m16s
